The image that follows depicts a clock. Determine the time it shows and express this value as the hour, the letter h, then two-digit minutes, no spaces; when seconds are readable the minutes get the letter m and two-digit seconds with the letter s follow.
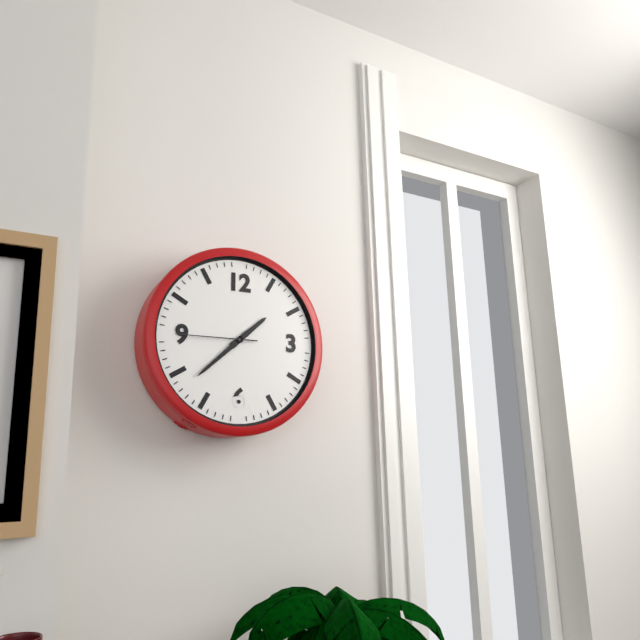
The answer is 1h38m45s
